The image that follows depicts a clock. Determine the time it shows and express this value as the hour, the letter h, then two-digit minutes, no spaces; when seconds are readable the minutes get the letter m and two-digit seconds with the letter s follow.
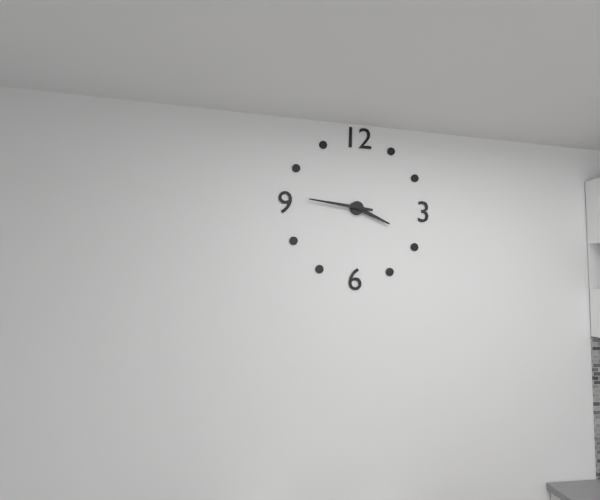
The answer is 3h46
